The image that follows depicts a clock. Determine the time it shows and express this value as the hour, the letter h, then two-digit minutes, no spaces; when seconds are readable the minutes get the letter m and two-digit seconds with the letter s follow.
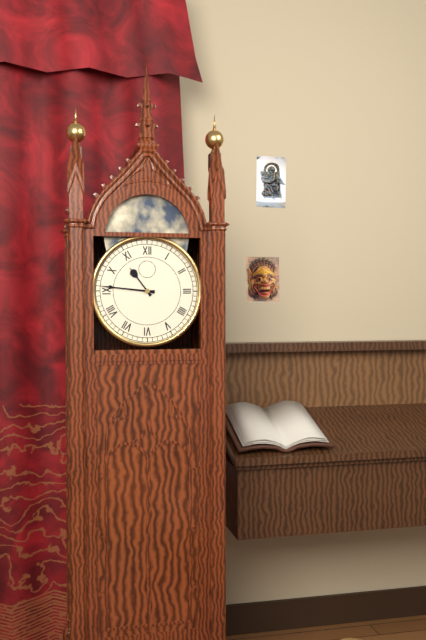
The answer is 10h46
